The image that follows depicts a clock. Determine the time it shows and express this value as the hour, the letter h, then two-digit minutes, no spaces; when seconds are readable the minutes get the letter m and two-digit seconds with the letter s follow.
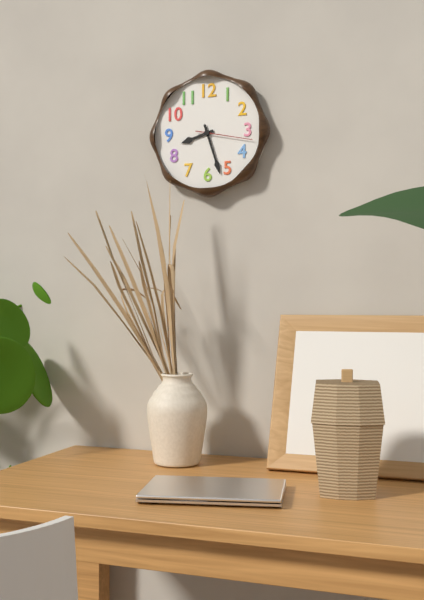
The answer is 8h27m17s
